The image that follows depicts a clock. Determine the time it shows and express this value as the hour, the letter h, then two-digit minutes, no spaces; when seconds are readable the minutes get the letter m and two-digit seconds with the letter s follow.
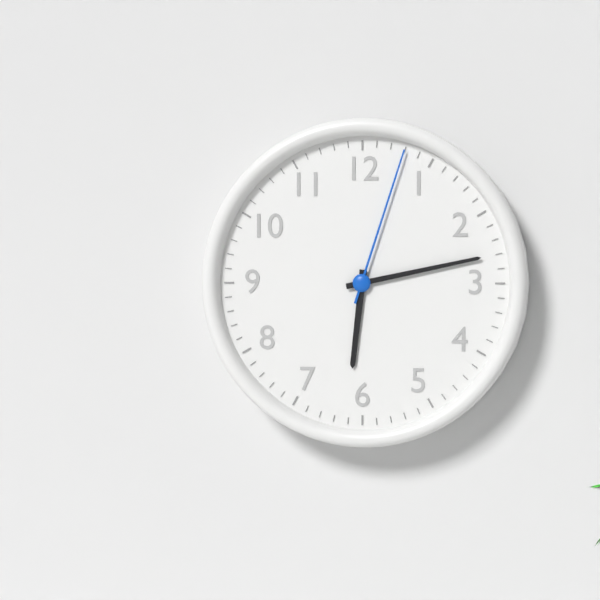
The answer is 6h13m03s
